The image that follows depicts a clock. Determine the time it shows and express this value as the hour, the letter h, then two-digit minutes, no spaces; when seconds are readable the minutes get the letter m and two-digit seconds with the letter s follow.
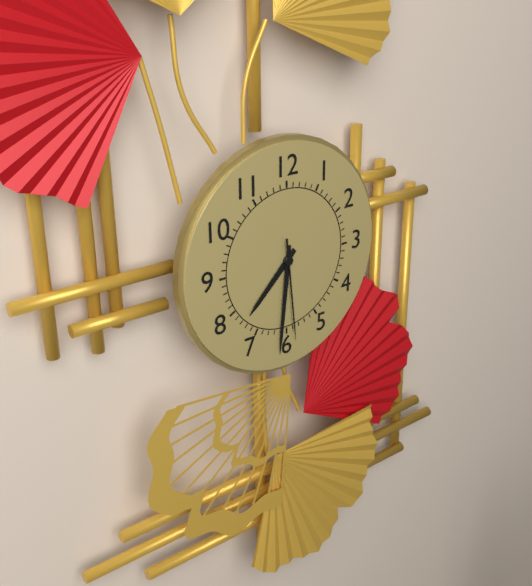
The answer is 7h31m29s
